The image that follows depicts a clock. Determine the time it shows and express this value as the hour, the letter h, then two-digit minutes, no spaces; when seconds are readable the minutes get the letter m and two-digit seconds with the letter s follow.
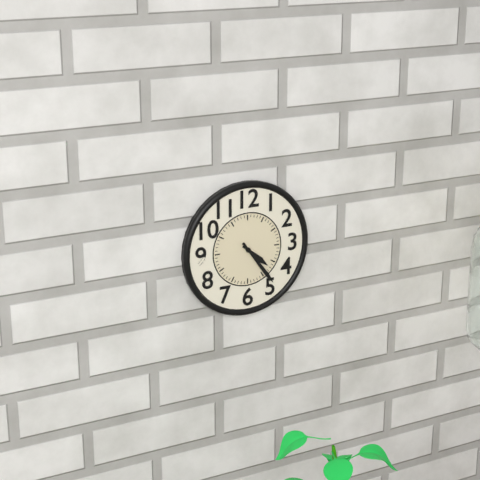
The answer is 4h24
